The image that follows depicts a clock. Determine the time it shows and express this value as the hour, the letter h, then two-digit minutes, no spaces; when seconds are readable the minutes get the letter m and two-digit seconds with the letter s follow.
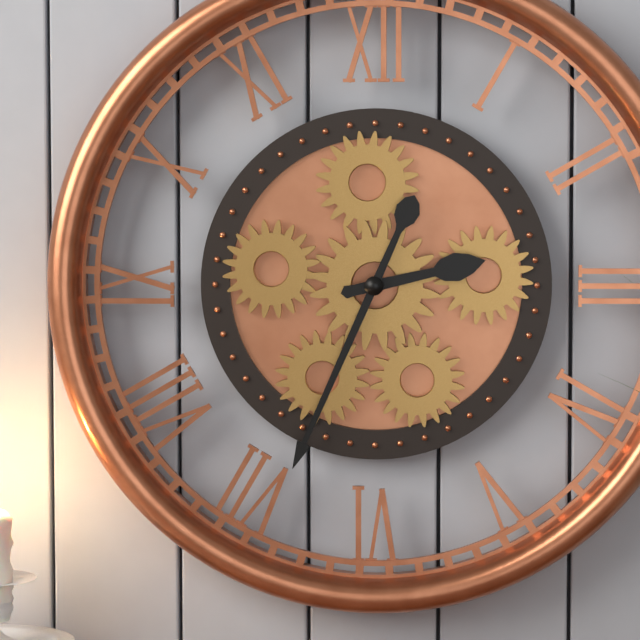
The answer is 2h34
